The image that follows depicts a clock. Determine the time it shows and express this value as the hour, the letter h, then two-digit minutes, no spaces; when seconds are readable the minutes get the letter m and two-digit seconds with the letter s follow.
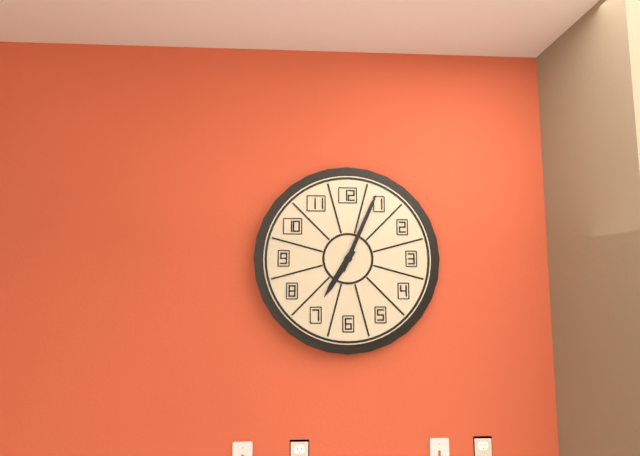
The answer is 7h04
